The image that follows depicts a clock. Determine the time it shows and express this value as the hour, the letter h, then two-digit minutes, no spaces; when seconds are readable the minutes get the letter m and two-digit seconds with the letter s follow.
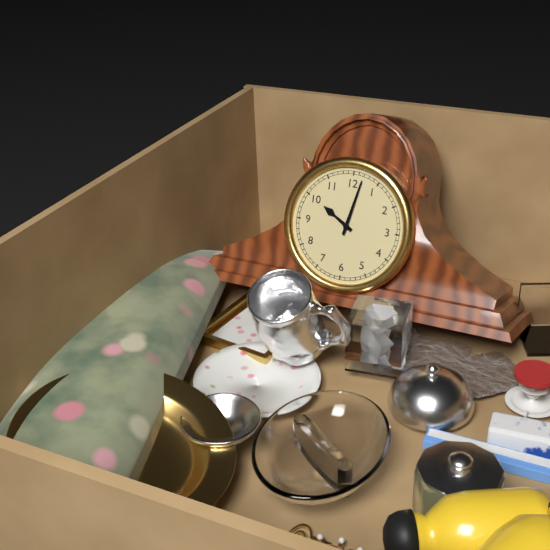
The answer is 10h02
